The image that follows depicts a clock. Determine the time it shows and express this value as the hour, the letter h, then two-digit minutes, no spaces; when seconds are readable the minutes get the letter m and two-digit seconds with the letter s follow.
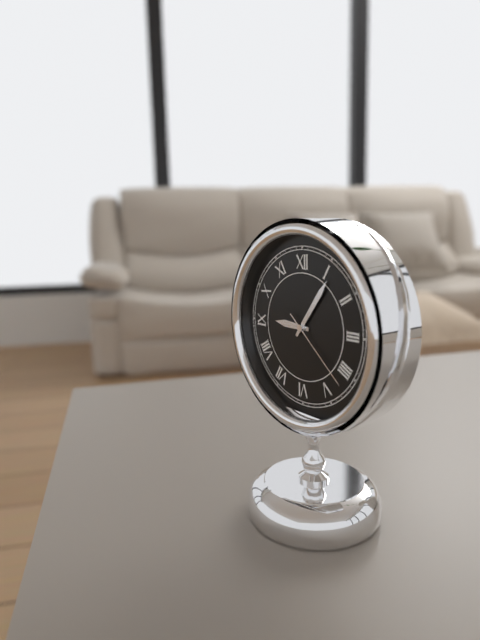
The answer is 9h06m22s
